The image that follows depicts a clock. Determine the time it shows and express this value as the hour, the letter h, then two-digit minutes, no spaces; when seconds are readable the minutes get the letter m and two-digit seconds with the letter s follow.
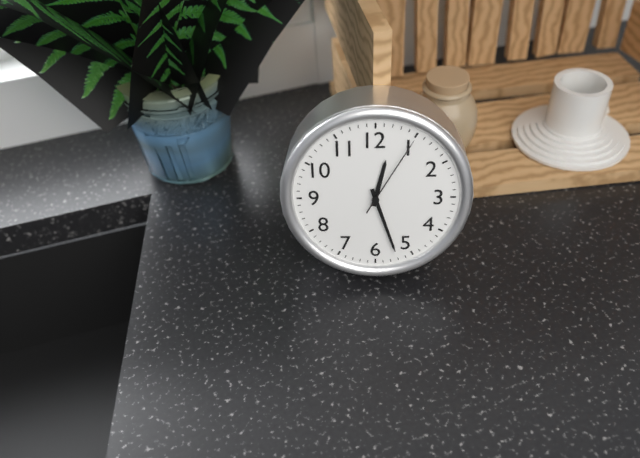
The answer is 12h27m05s
